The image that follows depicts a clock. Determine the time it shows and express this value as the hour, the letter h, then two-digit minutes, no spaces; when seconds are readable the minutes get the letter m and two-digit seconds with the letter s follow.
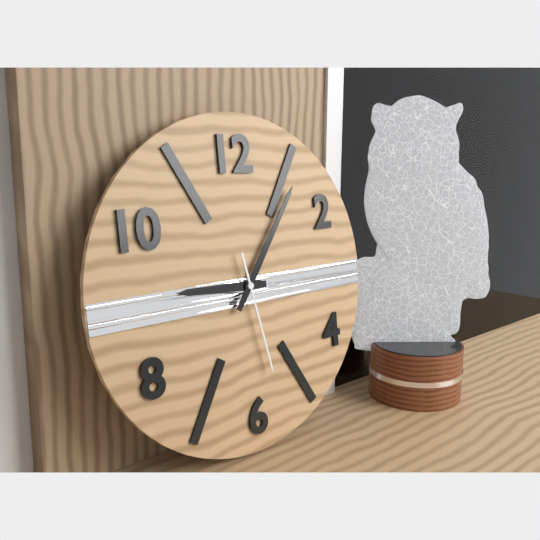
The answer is 9h06m28s
